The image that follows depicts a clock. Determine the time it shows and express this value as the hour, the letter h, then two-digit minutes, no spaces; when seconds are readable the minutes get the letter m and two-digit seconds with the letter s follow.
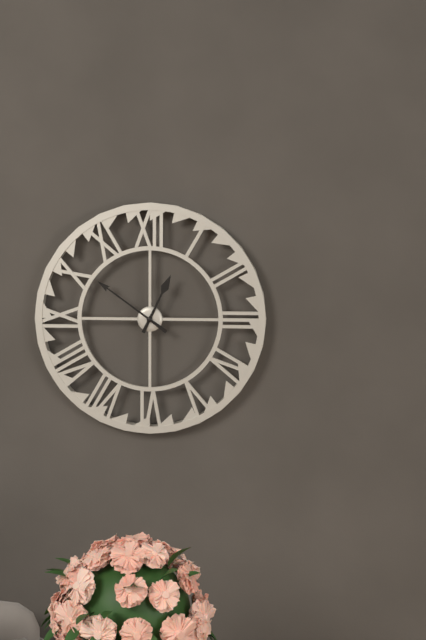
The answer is 12h51
